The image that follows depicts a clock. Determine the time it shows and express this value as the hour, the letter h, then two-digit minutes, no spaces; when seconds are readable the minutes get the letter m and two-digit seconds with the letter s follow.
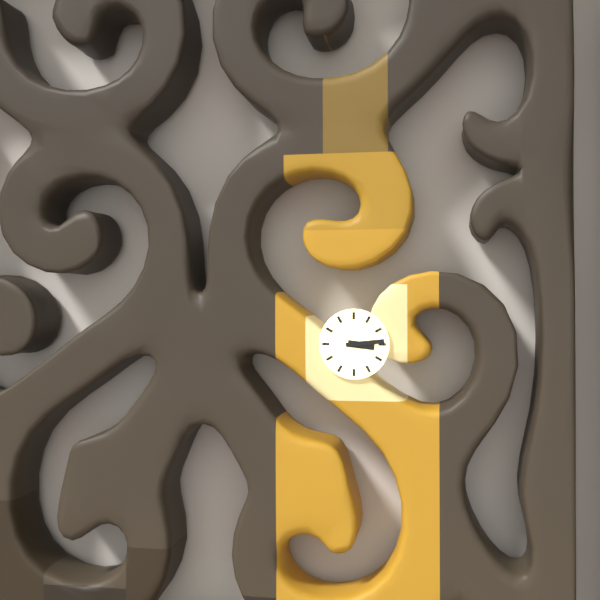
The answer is 3h14
